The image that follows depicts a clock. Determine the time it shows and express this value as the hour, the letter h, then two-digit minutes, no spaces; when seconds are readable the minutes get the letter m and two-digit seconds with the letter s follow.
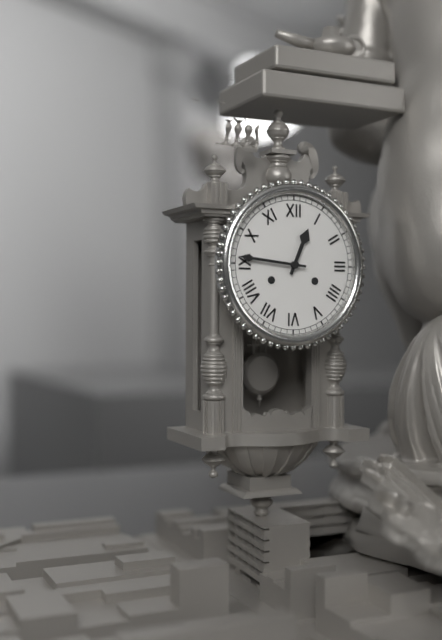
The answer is 12h46
